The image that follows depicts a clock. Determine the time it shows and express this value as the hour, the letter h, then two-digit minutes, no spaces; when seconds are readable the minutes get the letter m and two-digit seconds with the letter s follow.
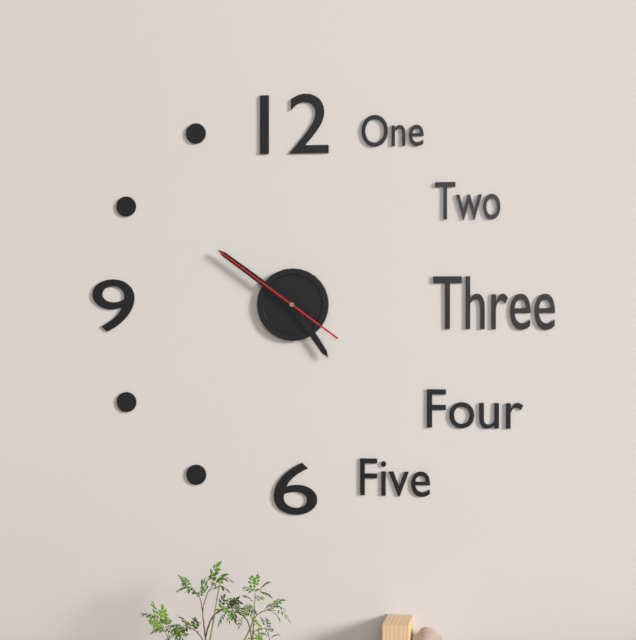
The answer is 4h51m51s
